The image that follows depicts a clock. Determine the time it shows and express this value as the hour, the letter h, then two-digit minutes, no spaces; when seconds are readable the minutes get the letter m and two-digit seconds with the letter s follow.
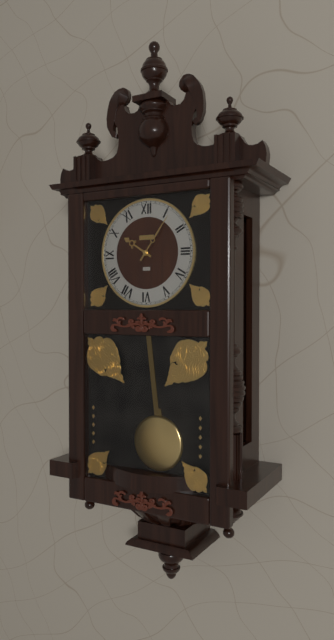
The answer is 10h06
